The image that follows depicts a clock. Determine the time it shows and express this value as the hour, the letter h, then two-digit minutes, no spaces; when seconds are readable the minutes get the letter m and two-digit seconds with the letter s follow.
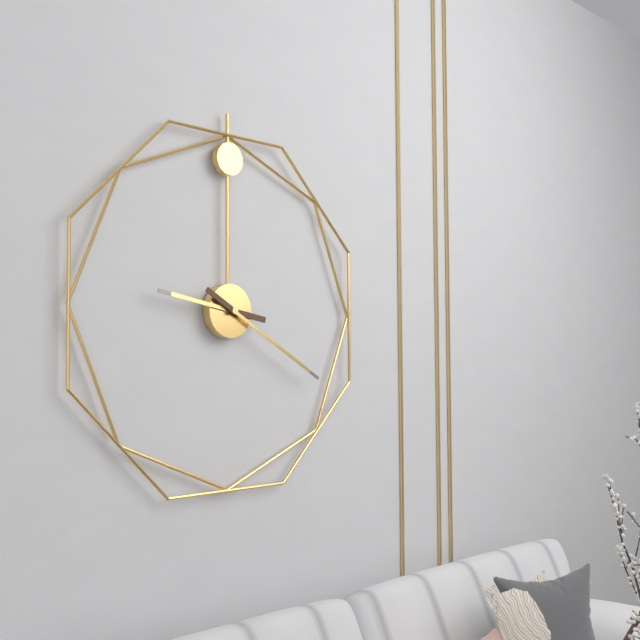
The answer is 9h20
